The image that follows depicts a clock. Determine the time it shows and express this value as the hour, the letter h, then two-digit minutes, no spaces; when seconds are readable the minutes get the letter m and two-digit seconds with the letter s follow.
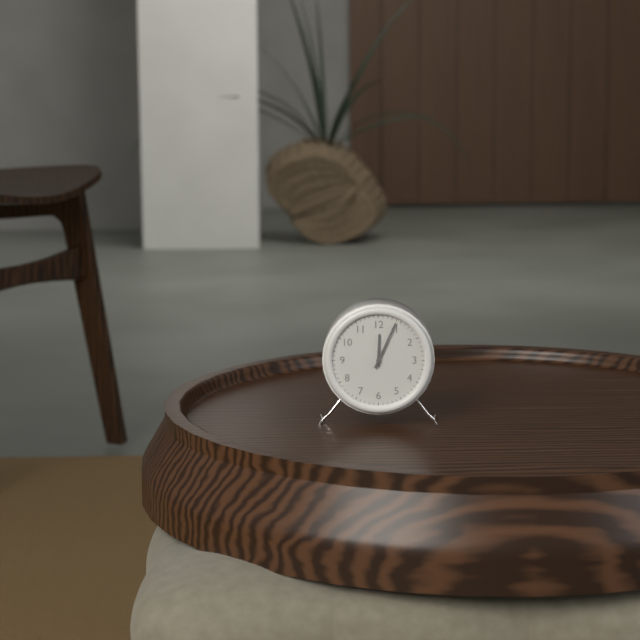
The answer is 12h04
